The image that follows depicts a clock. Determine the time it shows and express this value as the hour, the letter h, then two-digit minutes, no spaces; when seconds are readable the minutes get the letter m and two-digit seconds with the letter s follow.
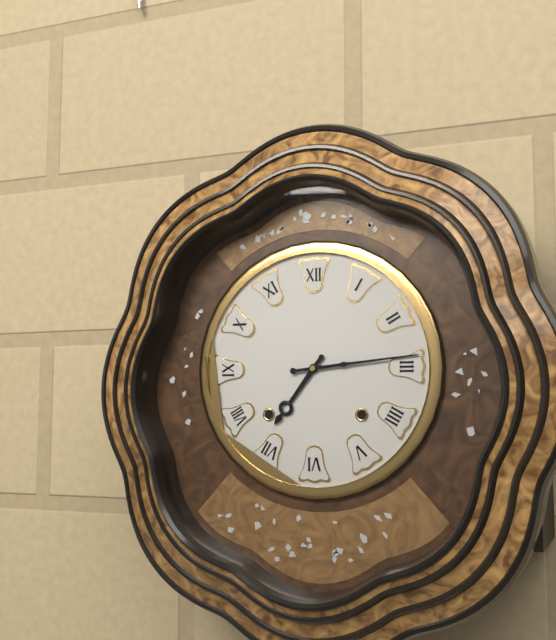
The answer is 7h14
